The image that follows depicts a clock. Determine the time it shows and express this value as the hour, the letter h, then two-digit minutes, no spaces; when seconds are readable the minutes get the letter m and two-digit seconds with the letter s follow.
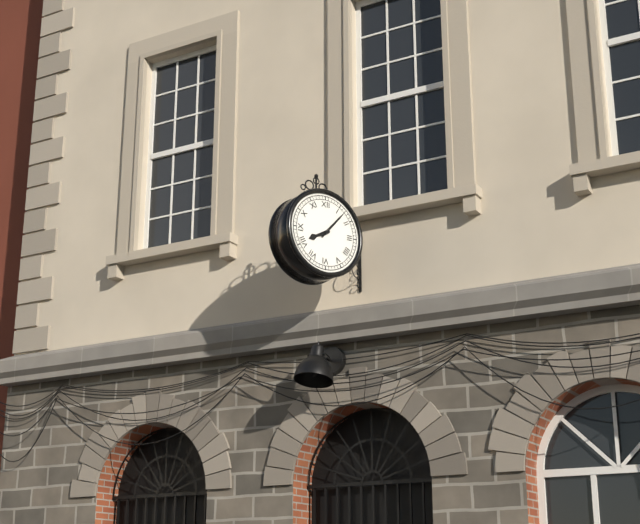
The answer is 8h07
